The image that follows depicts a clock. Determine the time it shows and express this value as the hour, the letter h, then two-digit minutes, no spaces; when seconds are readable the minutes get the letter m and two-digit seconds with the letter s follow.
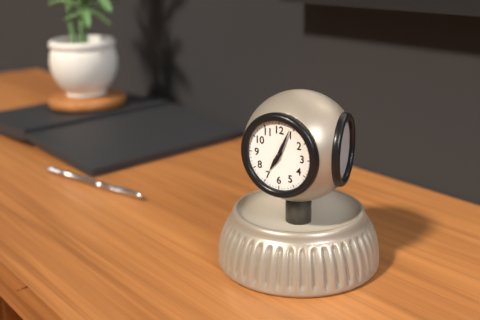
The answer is 7h04
